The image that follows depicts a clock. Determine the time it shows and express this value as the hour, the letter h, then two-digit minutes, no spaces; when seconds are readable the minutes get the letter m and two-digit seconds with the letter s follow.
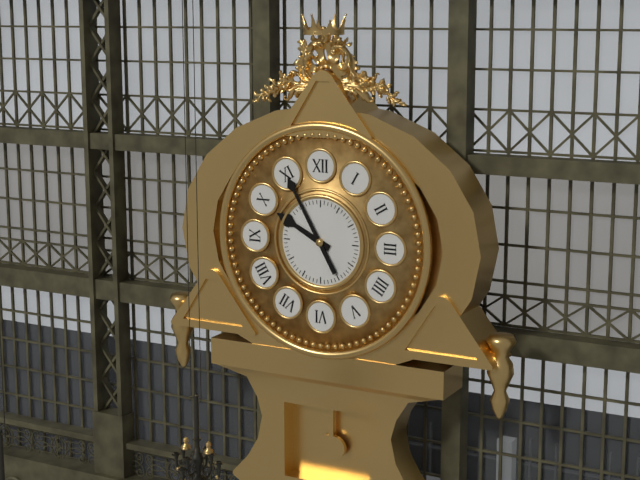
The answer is 9h55
